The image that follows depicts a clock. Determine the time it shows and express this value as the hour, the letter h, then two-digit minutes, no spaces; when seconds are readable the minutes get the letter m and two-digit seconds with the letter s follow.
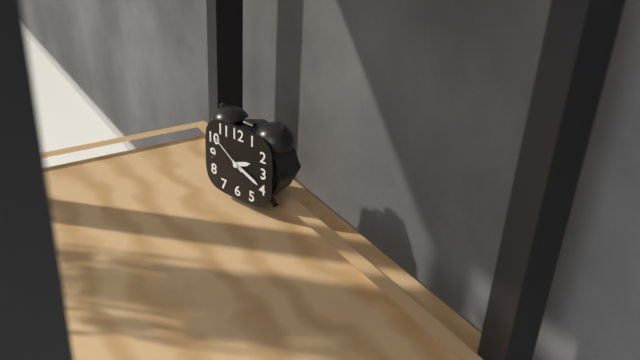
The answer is 2h19
